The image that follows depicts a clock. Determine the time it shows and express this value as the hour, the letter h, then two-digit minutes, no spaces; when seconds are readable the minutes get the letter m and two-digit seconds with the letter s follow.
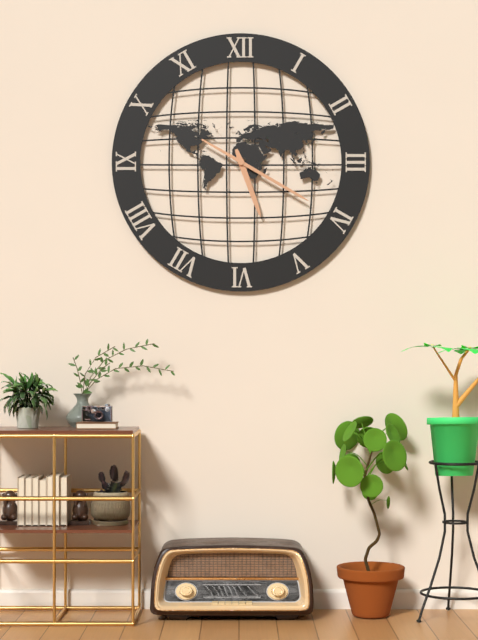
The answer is 5h20
